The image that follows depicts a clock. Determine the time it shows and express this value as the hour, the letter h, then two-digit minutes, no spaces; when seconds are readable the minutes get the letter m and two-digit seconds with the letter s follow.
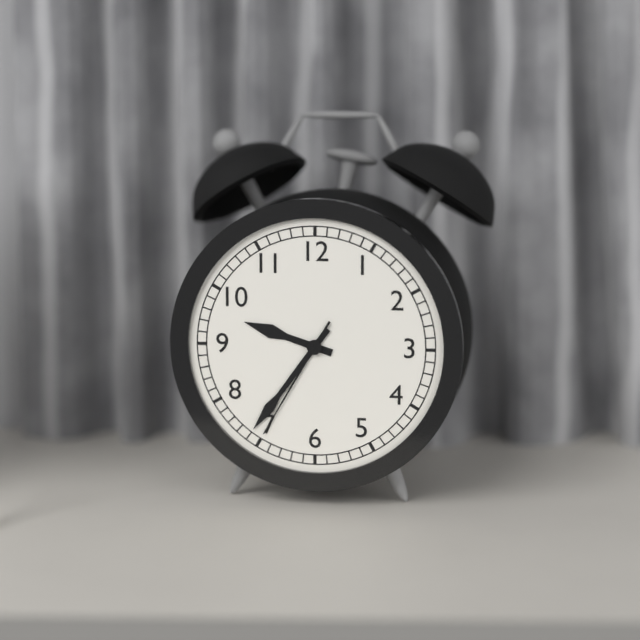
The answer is 9h36m35s
